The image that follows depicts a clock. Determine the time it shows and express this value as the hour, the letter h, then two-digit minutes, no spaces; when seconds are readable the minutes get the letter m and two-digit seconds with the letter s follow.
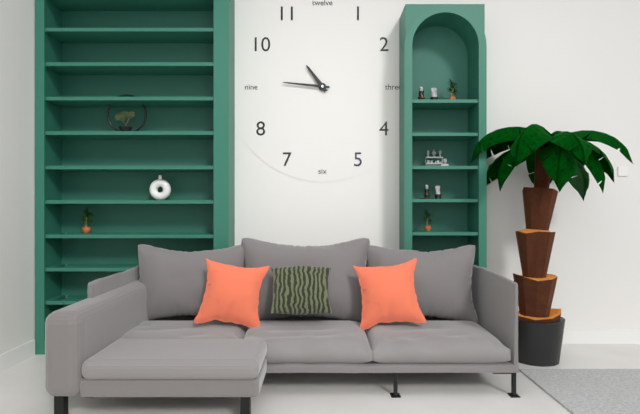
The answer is 10h46
